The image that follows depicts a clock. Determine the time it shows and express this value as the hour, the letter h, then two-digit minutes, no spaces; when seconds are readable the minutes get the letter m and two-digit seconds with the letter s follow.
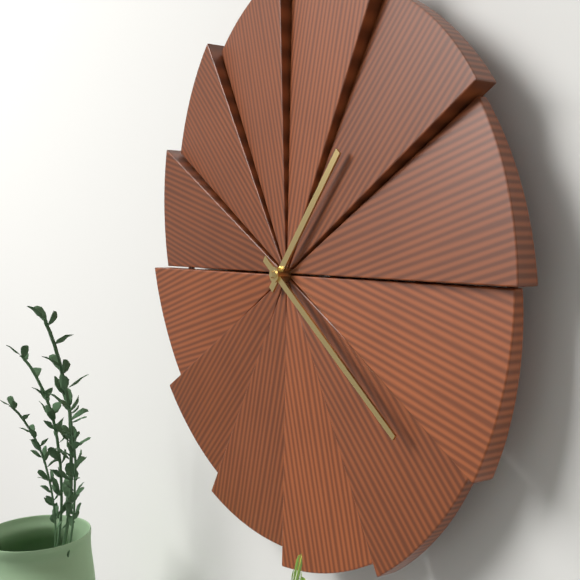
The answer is 1h21
